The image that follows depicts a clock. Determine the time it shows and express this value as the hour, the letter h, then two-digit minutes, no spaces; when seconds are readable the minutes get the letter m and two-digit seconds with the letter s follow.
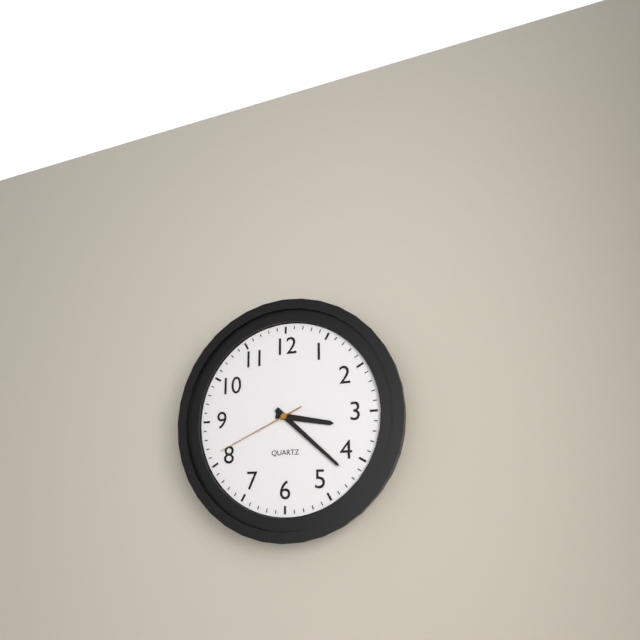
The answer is 3h22m41s
